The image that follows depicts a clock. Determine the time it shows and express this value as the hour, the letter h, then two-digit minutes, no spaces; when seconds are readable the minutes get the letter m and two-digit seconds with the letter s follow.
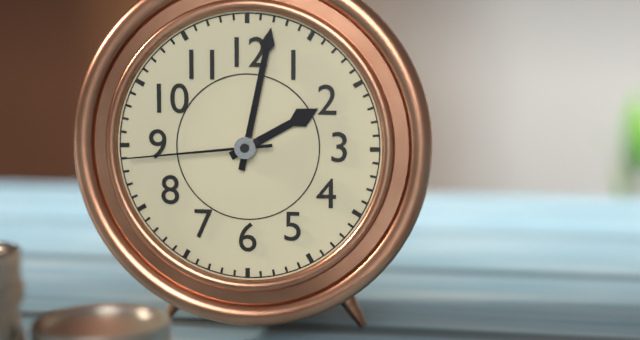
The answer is 2h02m44s
